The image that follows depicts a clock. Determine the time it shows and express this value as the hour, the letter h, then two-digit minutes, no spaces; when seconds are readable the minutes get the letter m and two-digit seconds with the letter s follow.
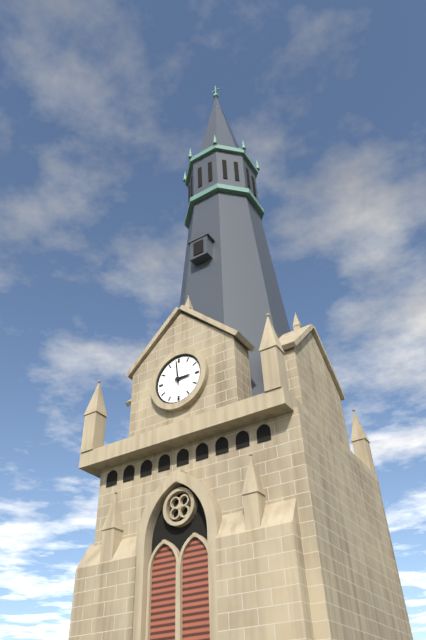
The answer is 2h59
